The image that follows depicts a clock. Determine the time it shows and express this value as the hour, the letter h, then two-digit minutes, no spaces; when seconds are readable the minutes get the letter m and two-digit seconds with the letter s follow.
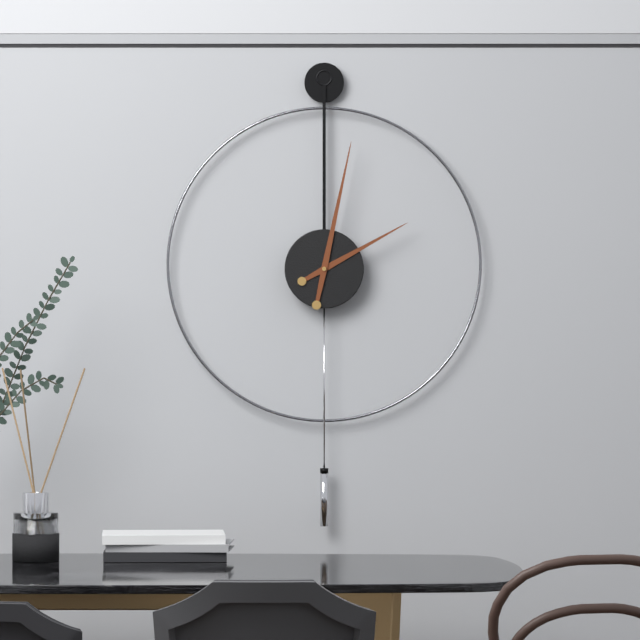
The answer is 2h02
